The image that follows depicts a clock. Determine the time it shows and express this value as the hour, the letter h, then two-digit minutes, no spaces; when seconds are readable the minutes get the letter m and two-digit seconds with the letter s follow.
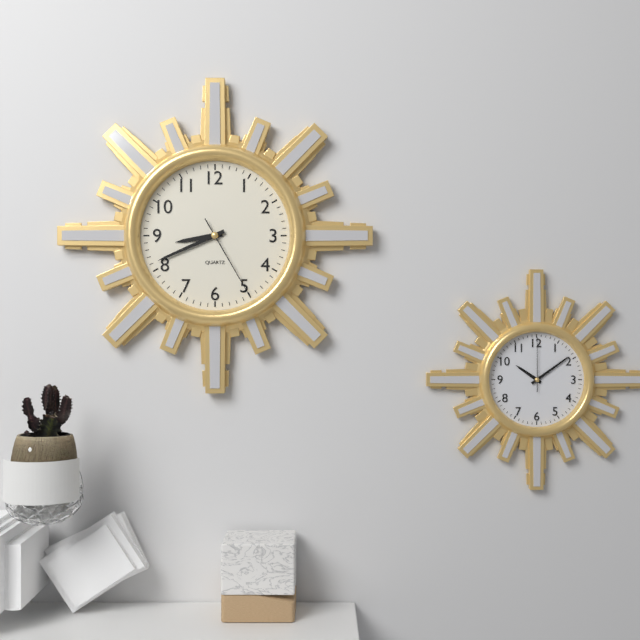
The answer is 8h41m25s
